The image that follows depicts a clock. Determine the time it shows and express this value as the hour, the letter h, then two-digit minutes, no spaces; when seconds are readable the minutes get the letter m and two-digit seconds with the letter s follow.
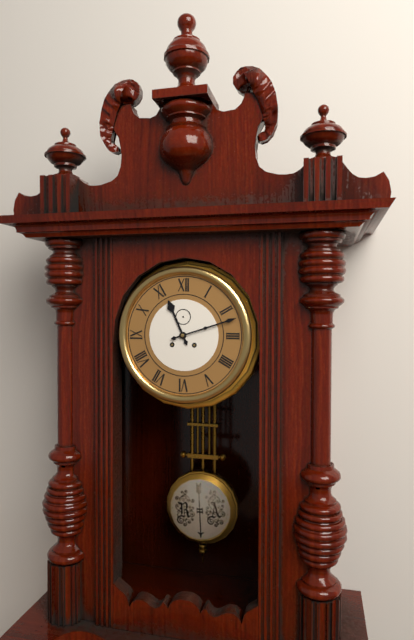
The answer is 11h12
